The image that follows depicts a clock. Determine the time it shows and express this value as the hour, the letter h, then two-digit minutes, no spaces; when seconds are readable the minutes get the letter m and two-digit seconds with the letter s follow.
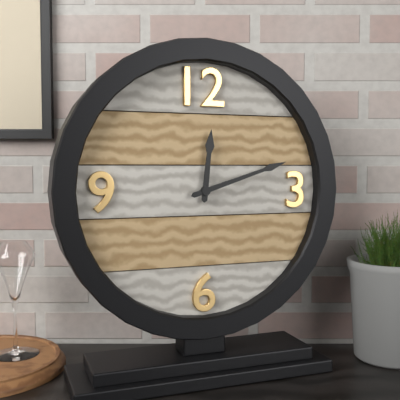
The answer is 12h12
